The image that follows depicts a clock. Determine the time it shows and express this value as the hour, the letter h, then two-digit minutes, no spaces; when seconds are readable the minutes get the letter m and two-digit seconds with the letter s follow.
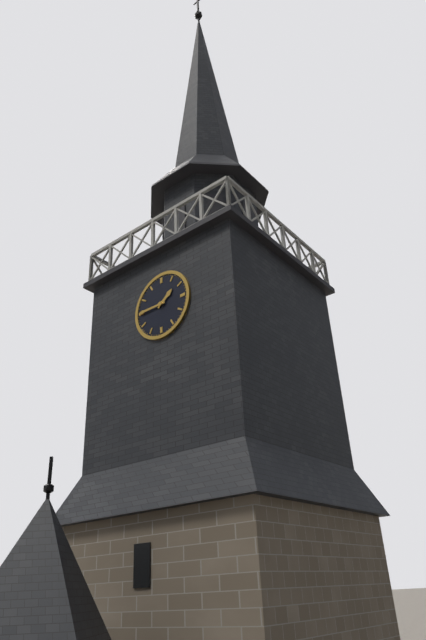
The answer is 1h45
